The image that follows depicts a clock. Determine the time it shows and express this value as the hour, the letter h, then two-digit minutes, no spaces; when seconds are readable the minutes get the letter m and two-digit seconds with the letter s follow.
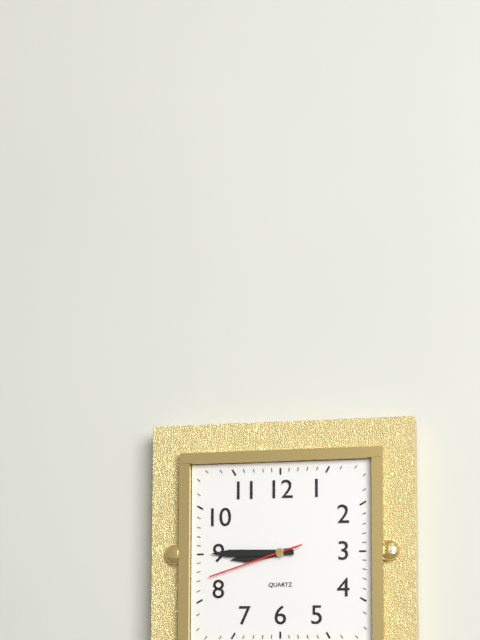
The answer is 8h45m42s
